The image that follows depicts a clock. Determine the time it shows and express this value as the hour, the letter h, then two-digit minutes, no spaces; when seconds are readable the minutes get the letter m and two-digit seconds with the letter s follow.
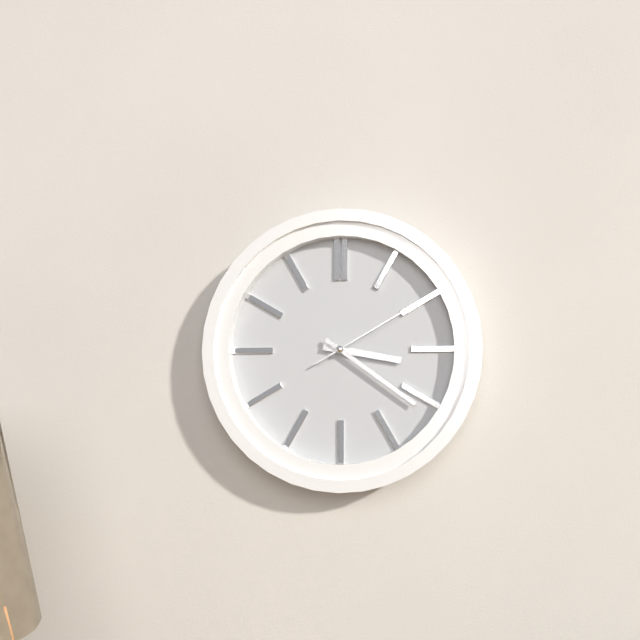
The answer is 3h21m10s
